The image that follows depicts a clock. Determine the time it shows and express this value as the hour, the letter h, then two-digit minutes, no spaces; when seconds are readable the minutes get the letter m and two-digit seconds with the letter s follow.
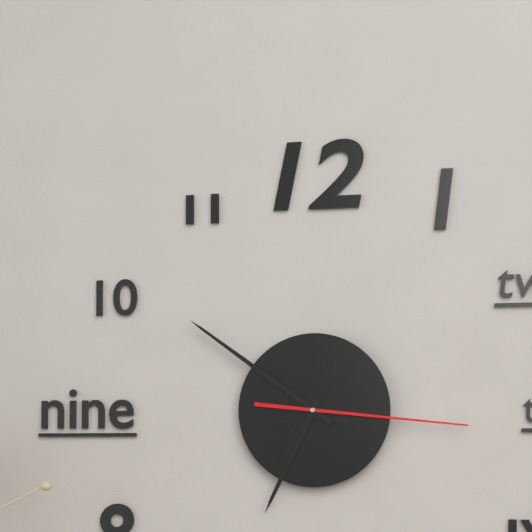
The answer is 6h51m16s
